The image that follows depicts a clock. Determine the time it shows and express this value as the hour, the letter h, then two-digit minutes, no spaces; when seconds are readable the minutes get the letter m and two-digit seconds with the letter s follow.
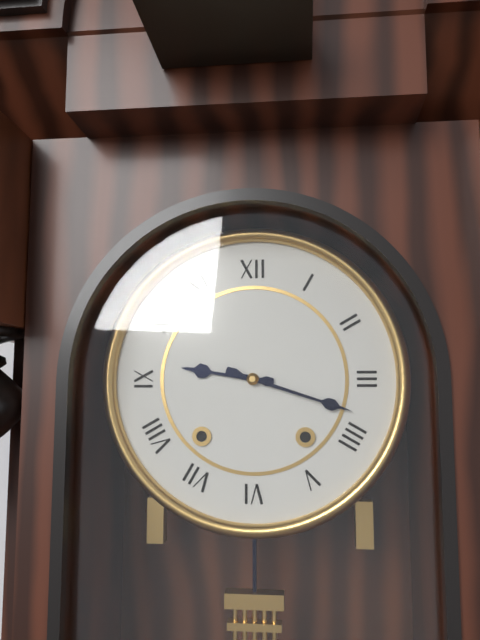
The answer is 9h18
